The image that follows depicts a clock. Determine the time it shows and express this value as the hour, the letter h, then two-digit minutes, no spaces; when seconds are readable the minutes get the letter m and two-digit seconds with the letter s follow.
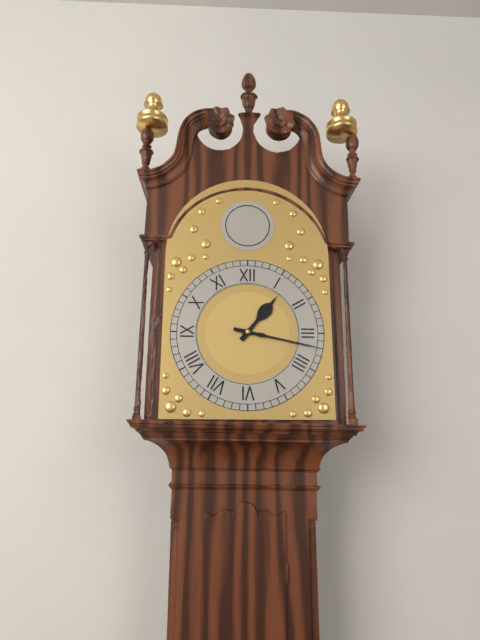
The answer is 1h17
